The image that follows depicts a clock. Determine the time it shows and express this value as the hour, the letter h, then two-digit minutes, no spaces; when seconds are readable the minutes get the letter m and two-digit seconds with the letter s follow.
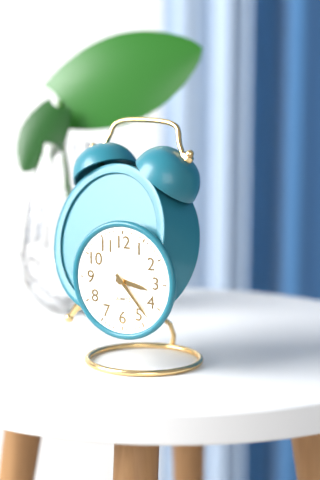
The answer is 3h23
